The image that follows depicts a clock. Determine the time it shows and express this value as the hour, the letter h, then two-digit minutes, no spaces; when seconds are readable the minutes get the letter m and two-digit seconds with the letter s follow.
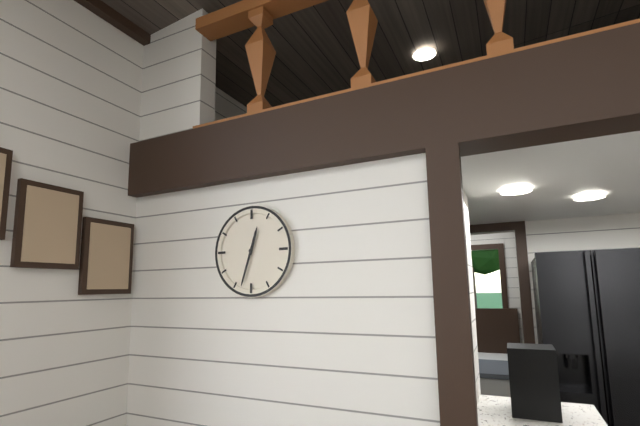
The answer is 12h33
